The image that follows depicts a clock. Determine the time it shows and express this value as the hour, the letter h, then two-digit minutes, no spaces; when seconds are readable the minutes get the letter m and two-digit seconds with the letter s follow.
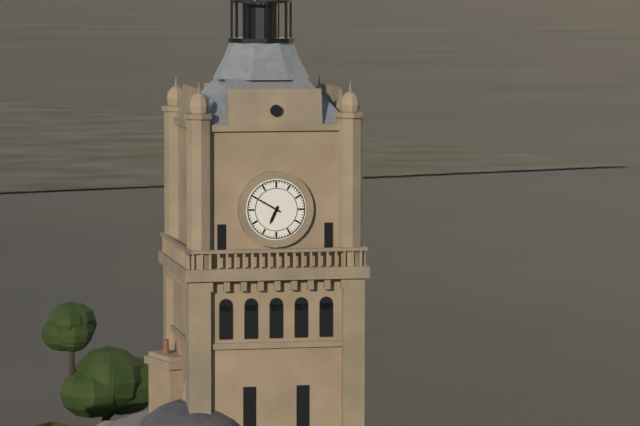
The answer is 6h50
